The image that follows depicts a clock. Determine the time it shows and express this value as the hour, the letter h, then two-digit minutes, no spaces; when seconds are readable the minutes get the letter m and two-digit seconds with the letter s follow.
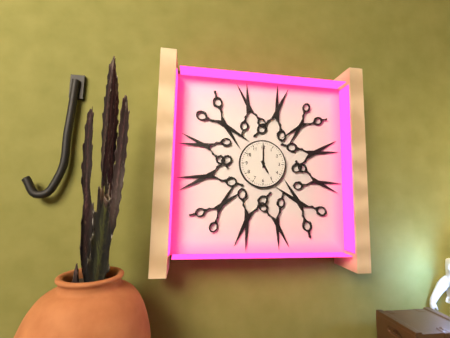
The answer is 5h00
